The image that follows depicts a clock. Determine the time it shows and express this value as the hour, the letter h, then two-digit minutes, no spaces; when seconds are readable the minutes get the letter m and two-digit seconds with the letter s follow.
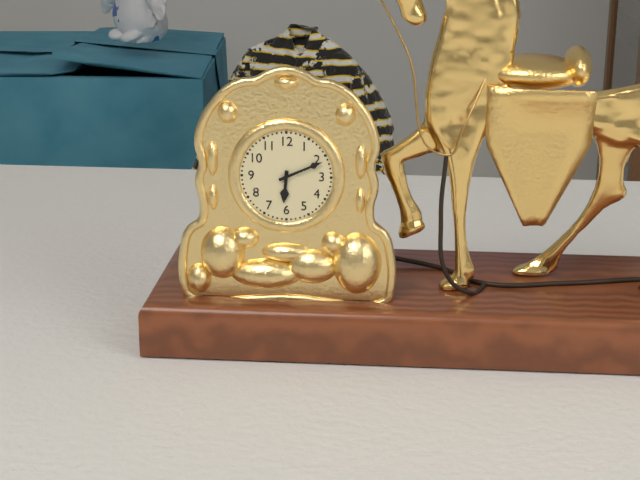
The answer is 6h11
